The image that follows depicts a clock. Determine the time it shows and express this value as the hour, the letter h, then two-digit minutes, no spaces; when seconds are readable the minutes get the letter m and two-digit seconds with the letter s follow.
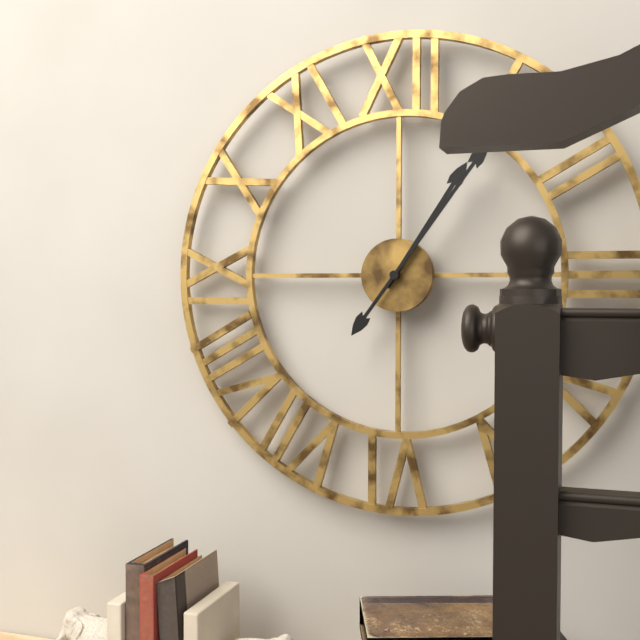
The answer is 1h06
